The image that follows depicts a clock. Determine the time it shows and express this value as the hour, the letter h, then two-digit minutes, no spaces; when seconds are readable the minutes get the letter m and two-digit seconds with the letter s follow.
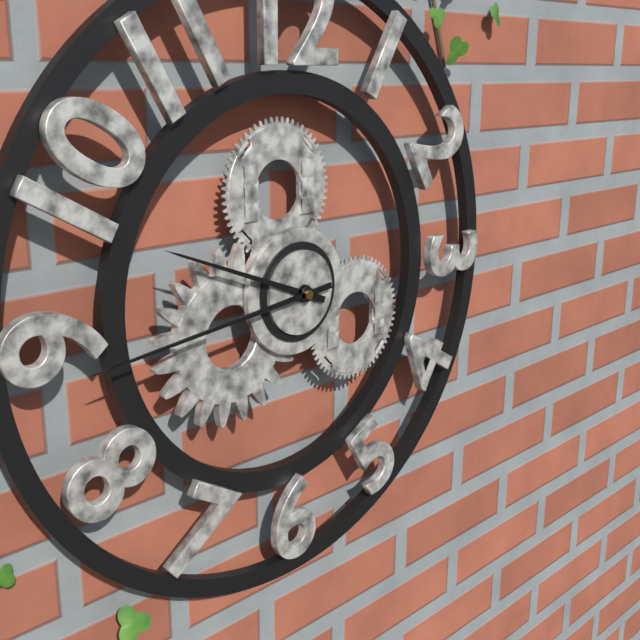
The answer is 9h44
